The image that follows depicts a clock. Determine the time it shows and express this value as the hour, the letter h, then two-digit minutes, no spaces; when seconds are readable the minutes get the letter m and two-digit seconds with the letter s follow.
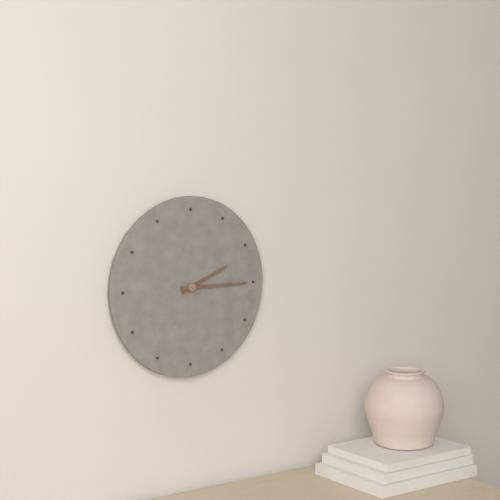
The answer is 2h15
